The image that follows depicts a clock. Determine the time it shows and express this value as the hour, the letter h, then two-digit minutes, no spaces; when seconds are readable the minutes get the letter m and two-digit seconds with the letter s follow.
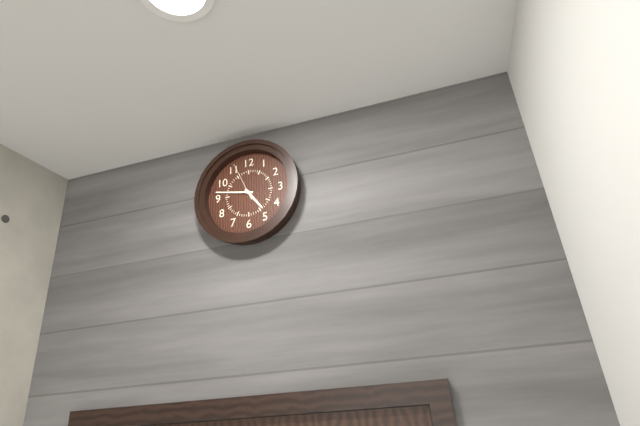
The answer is 4h47
